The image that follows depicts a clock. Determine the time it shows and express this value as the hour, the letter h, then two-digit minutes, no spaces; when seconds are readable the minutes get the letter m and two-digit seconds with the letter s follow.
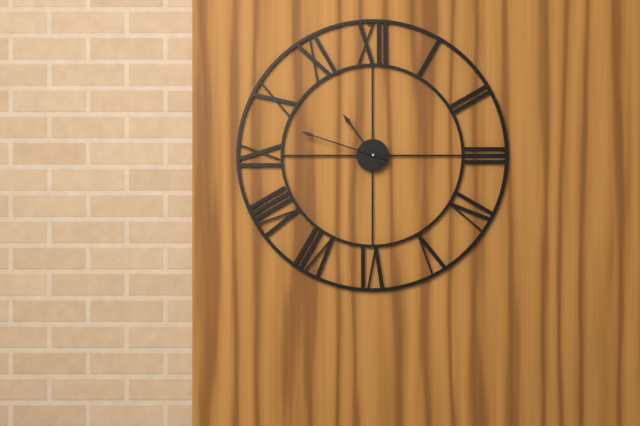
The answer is 10h48
